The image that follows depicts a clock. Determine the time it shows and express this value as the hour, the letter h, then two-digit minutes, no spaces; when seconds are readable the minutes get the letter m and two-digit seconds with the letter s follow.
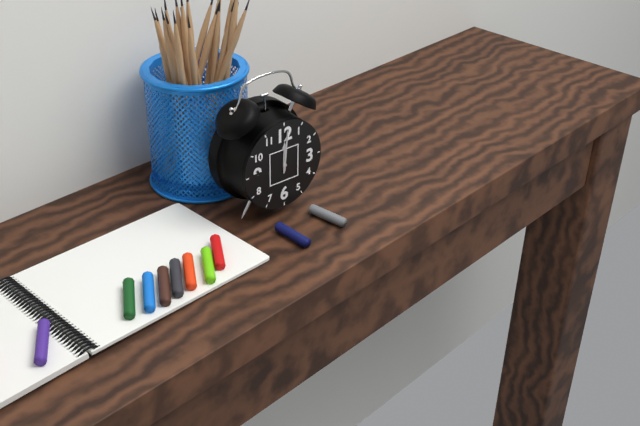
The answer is 12h01
